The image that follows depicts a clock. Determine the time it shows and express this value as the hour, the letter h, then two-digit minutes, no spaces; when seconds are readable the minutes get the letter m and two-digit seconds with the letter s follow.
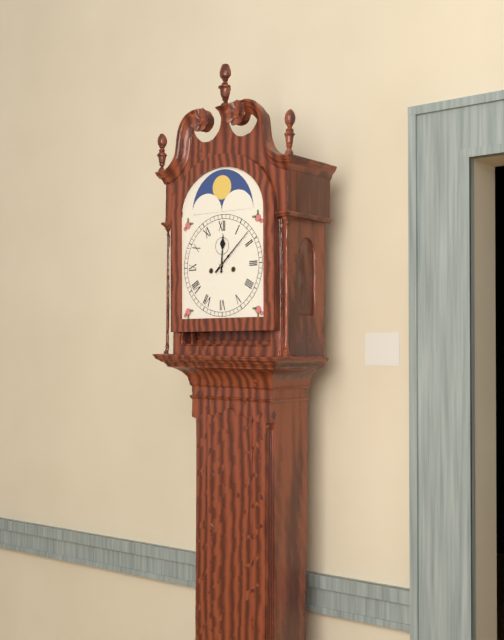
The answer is 12h08
